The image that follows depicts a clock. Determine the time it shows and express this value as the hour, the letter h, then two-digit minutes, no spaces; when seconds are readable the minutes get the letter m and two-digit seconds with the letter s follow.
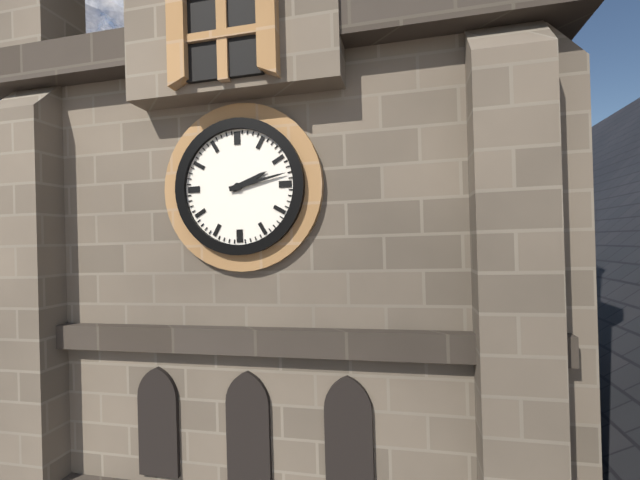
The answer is 2h13
